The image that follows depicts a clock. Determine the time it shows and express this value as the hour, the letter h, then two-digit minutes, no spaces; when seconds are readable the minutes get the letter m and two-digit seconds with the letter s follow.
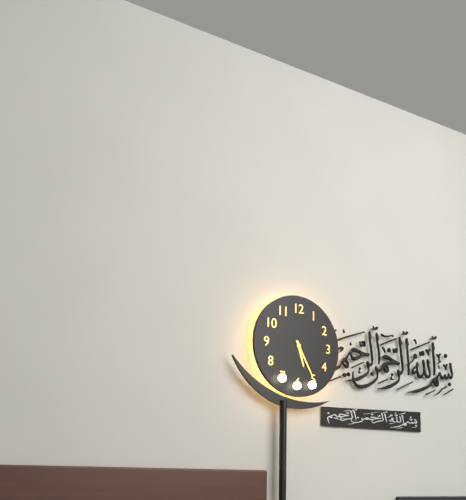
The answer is 5h25
